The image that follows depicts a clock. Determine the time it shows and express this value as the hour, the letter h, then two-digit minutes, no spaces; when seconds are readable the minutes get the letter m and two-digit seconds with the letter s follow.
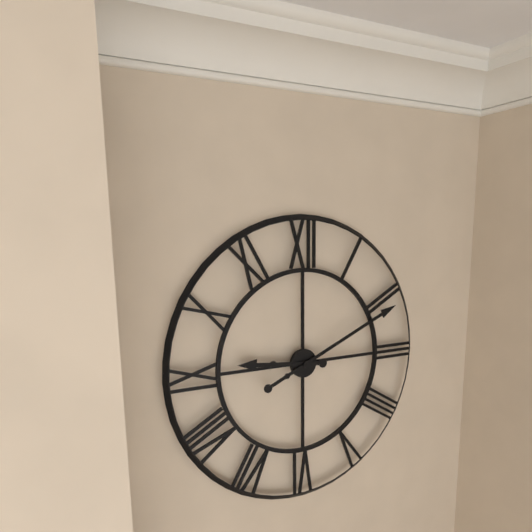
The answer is 9h11
